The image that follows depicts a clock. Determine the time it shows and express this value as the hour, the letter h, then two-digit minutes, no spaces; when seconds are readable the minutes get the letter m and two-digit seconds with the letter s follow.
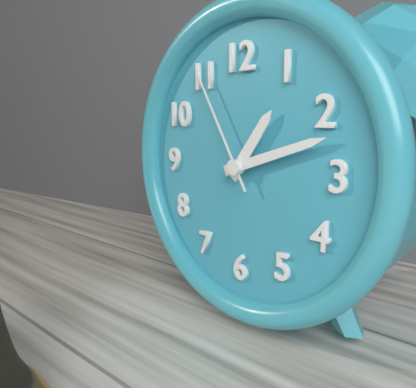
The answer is 1h12m55s
